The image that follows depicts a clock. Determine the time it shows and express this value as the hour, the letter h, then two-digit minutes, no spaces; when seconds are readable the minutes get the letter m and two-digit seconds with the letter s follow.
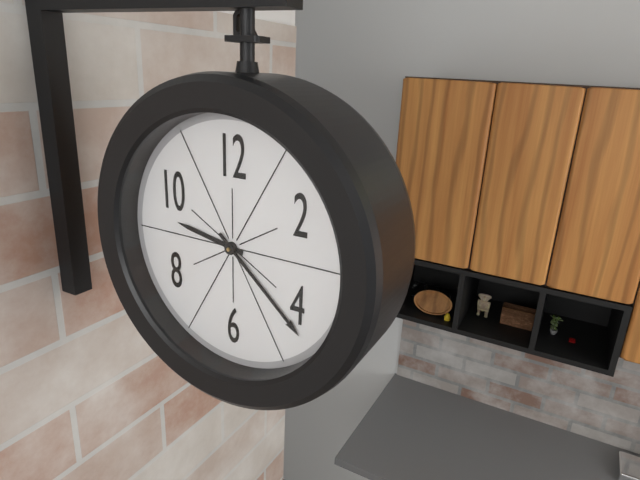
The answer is 9h22
